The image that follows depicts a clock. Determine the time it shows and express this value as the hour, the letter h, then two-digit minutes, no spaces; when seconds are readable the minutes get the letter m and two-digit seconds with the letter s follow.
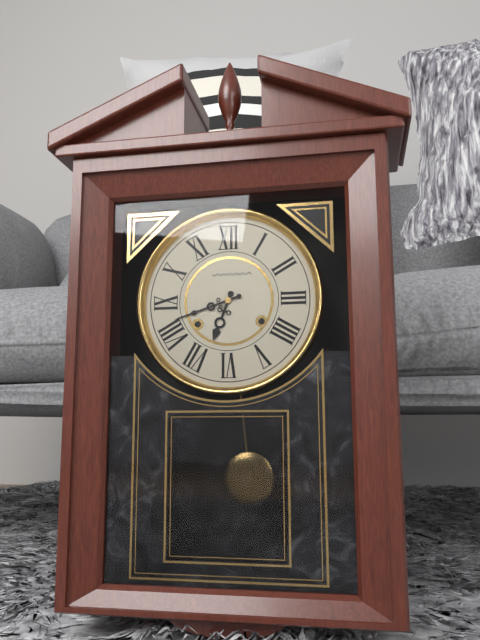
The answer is 6h42
